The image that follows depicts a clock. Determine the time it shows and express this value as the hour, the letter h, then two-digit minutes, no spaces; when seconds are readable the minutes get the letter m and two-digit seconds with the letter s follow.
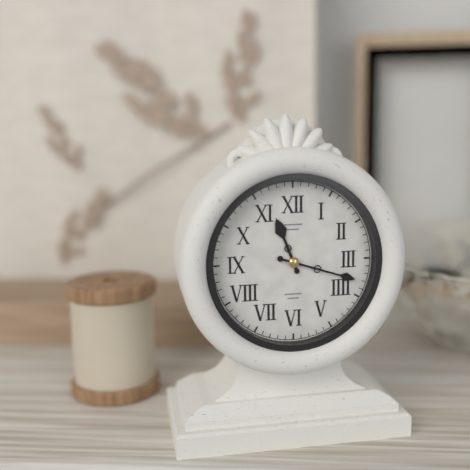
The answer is 11h18
